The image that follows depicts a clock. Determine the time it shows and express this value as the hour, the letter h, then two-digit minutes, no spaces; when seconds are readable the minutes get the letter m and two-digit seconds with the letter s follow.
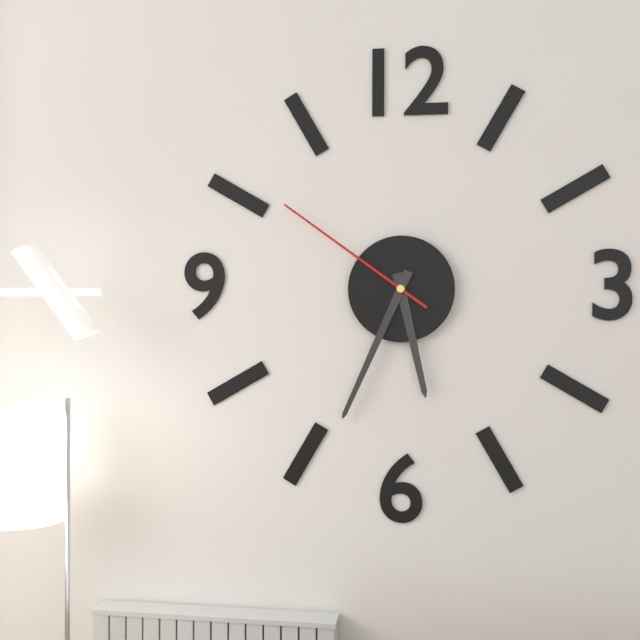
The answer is 5h34m51s
